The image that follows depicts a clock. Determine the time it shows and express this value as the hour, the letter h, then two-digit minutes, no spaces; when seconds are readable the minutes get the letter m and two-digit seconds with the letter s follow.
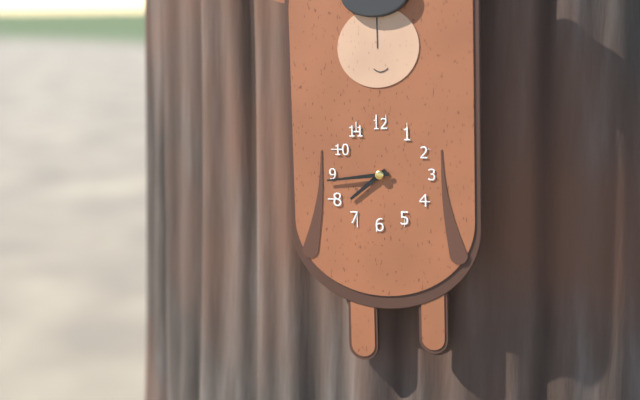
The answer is 7h44
